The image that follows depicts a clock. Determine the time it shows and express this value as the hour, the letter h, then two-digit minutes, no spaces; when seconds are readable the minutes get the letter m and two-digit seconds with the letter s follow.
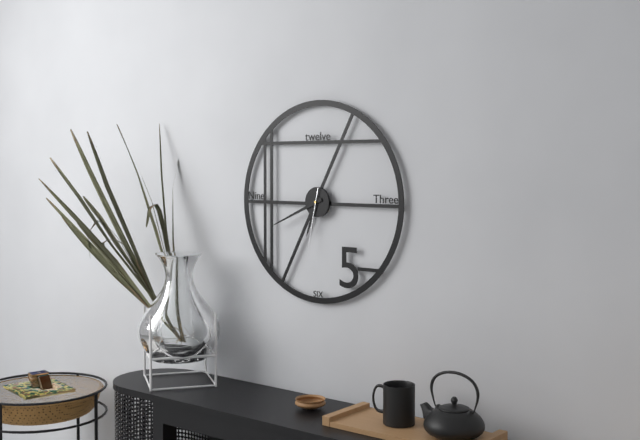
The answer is 6h41m32s
